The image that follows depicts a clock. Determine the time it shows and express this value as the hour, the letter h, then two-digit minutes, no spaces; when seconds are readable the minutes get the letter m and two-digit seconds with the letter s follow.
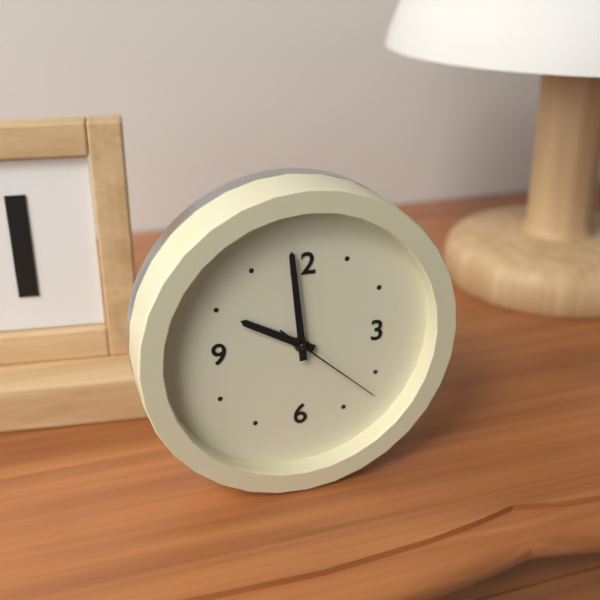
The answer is 9h59m22s
